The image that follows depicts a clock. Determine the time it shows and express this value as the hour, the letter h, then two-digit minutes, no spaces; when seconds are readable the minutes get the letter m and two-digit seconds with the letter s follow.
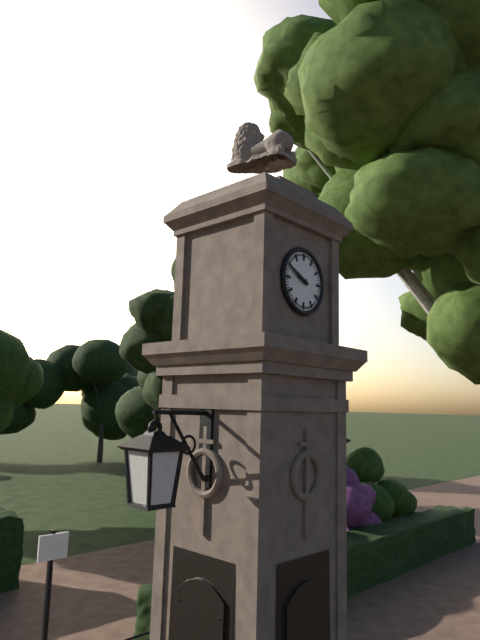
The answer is 9h49
